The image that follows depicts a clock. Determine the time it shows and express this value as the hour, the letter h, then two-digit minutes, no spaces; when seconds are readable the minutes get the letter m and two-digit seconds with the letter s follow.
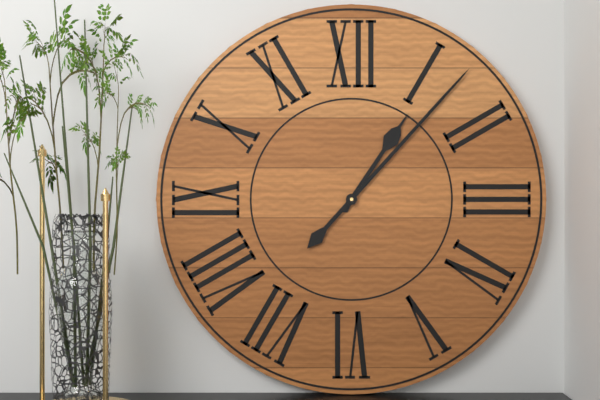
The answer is 1h07
